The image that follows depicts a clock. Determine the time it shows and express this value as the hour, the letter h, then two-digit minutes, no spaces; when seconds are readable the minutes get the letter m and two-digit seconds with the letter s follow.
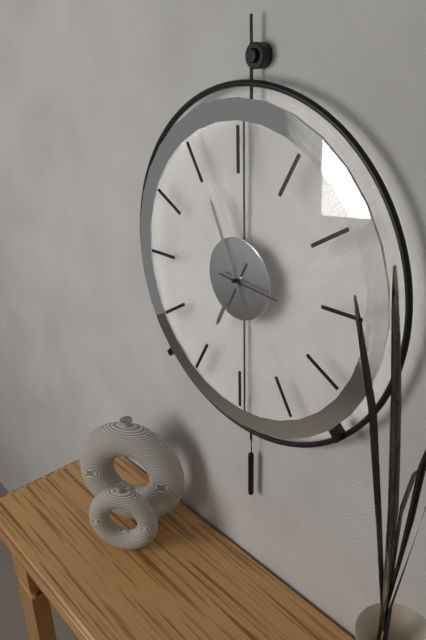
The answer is 6h56
